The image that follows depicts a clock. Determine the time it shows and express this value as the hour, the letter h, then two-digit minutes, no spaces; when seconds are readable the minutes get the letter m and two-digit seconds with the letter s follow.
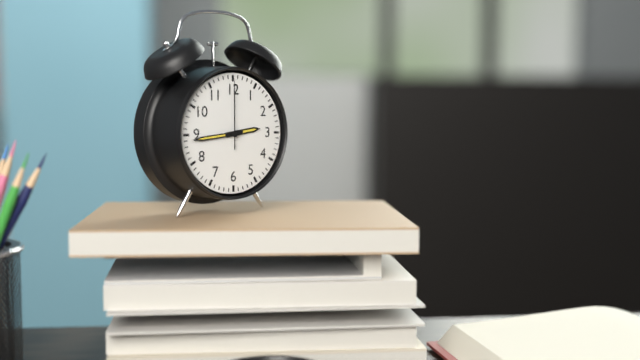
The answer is 2h44m00s
